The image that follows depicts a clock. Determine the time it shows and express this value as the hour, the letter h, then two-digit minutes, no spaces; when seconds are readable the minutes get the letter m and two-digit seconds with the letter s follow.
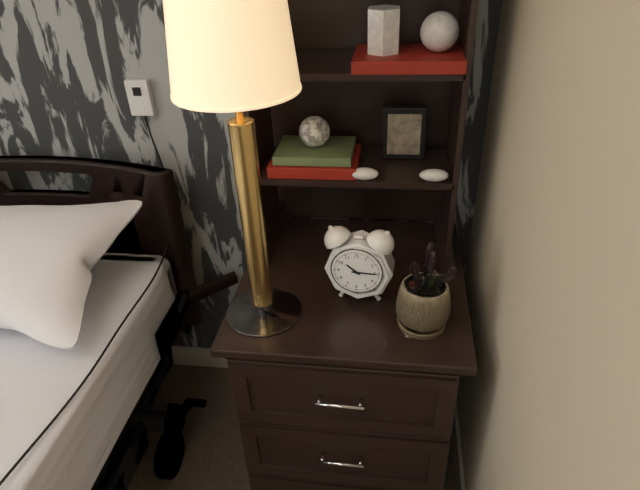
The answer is 10h15
